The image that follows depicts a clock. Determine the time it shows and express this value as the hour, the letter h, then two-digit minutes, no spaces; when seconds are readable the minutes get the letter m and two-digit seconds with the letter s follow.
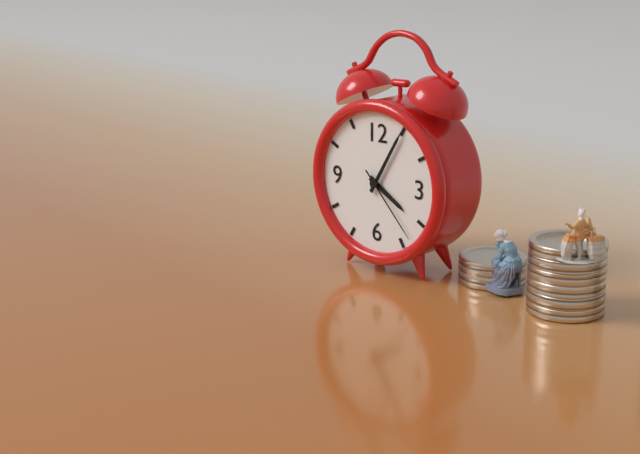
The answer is 4h05m23s
